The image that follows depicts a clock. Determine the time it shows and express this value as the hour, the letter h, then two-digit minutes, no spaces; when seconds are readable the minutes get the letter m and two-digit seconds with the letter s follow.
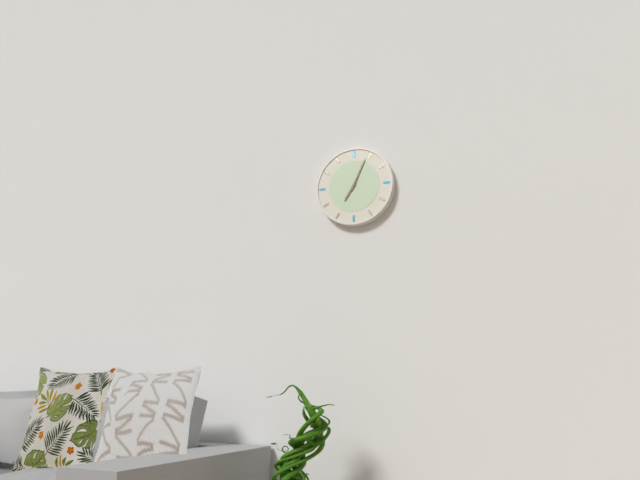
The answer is 7h04
